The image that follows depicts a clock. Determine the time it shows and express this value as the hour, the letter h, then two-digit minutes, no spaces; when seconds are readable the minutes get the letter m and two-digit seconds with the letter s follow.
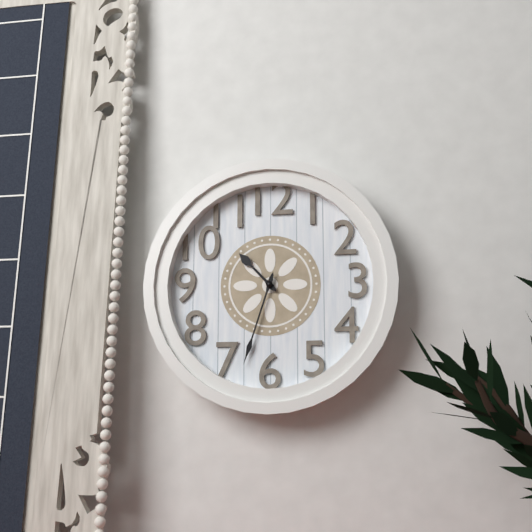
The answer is 10h33
